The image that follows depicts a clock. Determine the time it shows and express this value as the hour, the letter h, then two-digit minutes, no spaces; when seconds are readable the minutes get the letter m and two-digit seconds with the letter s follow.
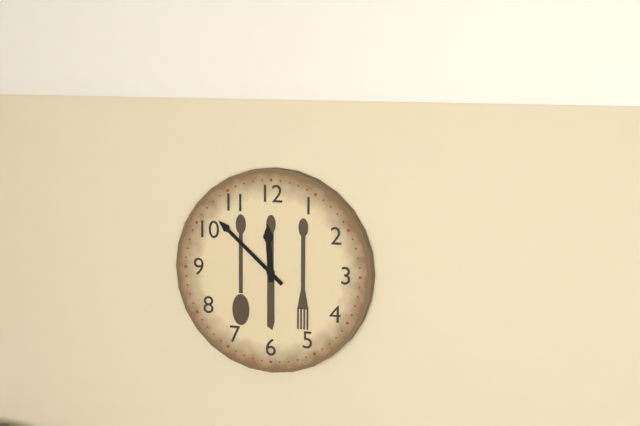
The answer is 11h52
